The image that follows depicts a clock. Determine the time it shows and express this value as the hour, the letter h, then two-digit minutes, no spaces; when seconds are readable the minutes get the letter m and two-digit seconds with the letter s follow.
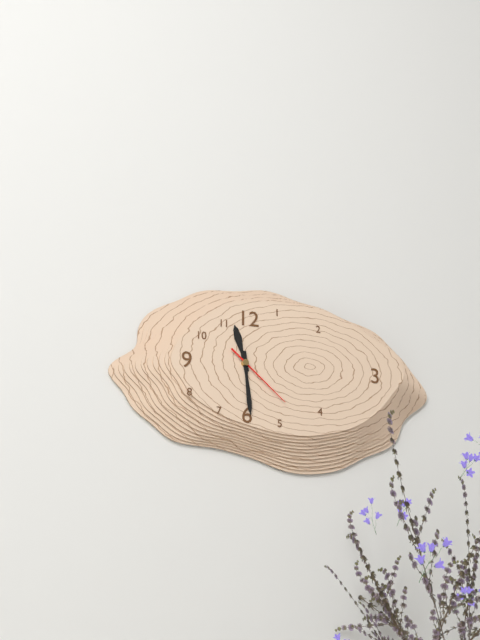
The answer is 11h29m22s
